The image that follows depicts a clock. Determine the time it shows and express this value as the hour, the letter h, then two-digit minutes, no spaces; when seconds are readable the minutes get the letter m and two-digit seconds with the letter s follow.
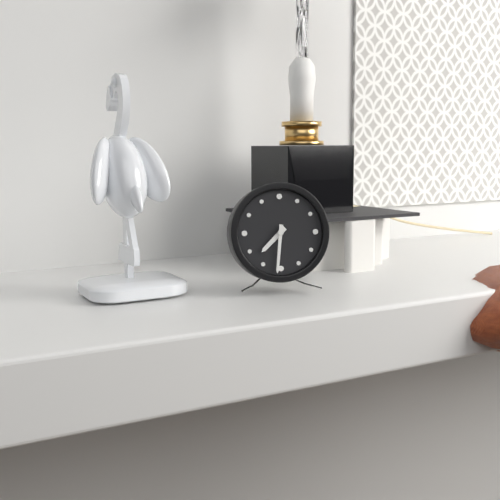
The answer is 7h31
